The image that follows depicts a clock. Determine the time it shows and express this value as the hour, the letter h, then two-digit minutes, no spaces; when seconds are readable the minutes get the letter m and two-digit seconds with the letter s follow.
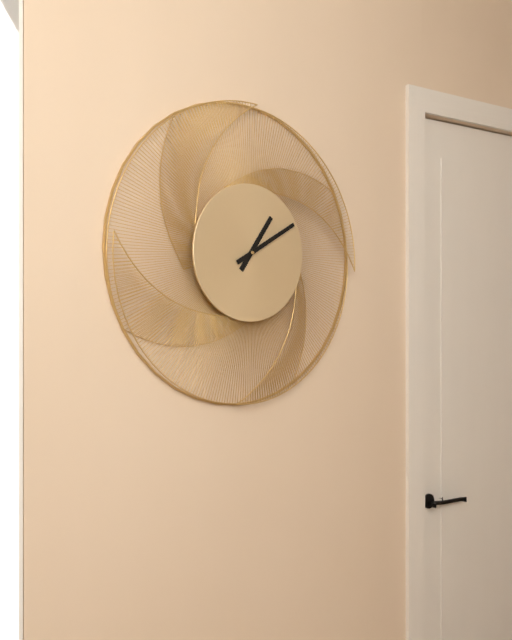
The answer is 1h10
